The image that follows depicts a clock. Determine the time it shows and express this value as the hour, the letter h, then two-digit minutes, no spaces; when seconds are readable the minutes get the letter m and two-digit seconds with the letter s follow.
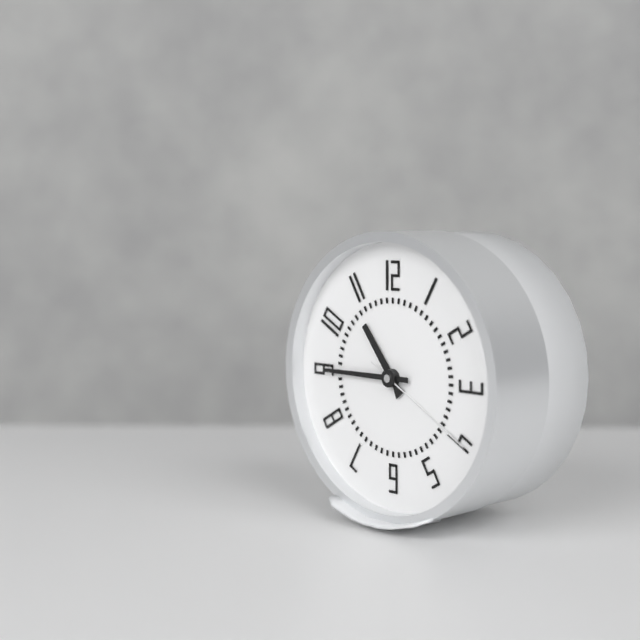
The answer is 10h45m20s
